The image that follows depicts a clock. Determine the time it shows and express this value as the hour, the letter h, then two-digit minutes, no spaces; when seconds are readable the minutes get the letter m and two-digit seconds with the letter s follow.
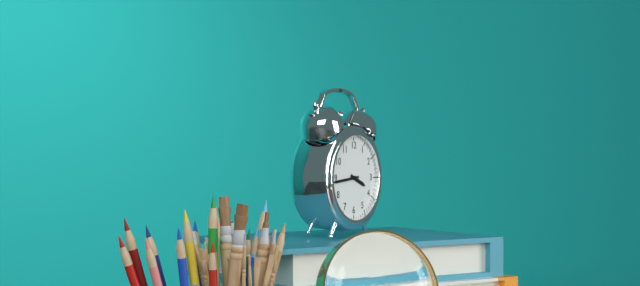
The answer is 3h44
